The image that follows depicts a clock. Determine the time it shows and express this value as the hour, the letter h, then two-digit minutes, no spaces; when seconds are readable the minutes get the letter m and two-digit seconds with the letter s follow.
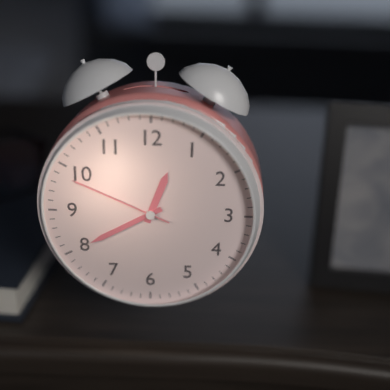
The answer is 12h40m49s
